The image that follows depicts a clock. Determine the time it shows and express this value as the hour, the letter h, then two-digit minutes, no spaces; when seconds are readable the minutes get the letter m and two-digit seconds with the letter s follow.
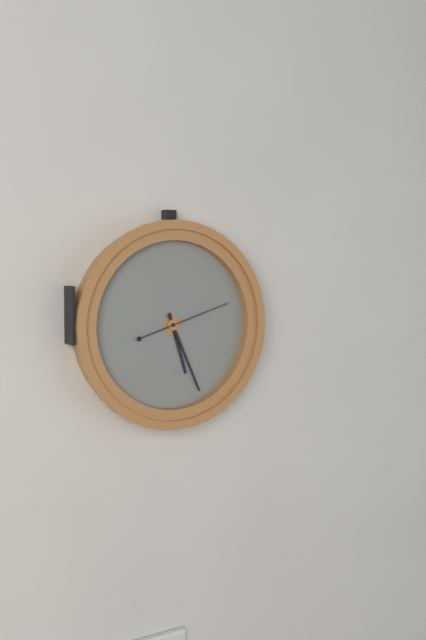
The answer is 5h26m12s
